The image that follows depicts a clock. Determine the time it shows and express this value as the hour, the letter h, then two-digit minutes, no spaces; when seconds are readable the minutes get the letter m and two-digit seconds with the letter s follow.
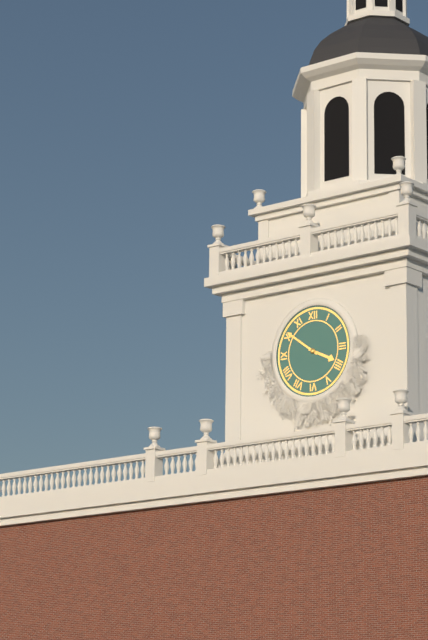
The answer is 3h51
